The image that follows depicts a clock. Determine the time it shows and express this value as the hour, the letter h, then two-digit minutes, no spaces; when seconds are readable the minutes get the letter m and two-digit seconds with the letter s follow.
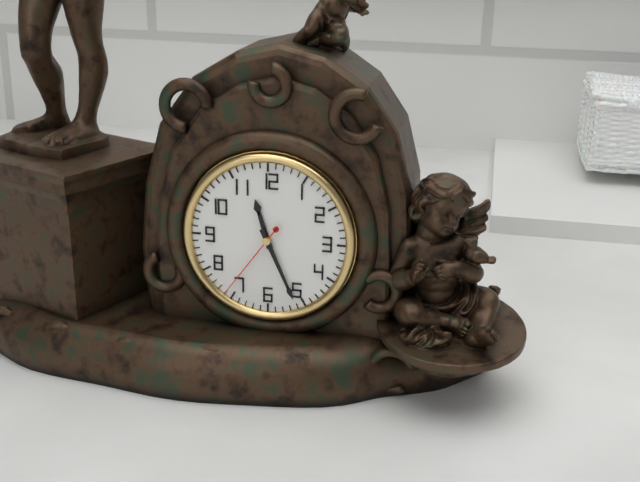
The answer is 11h26m36s
